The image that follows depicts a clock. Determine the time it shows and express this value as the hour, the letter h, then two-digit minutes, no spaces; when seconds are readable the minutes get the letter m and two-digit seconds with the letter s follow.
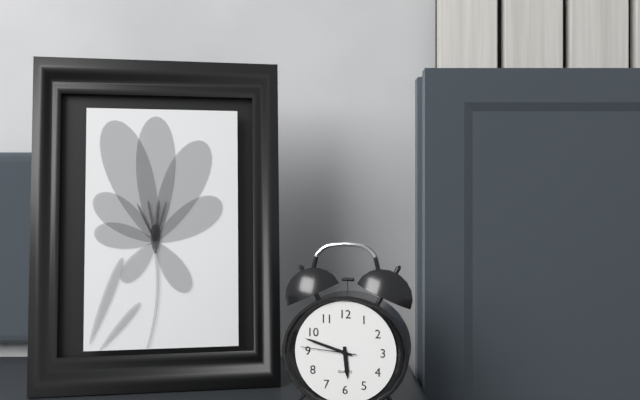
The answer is 5h48m46s
